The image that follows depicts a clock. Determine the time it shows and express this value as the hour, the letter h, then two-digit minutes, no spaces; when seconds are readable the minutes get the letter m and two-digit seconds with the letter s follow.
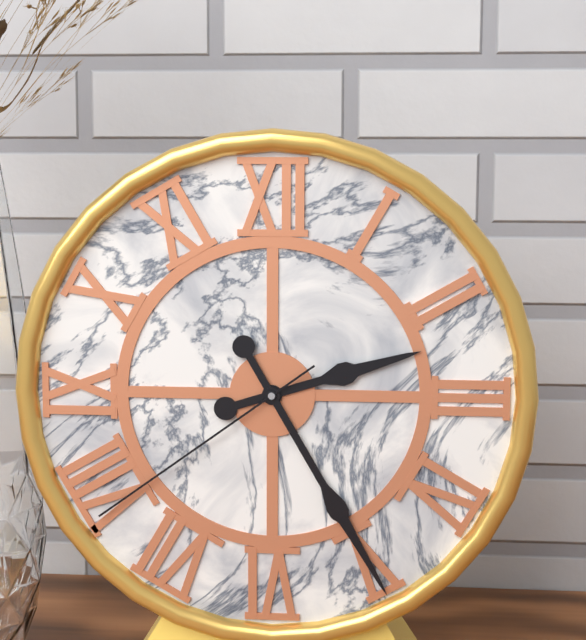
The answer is 2h25m39s
